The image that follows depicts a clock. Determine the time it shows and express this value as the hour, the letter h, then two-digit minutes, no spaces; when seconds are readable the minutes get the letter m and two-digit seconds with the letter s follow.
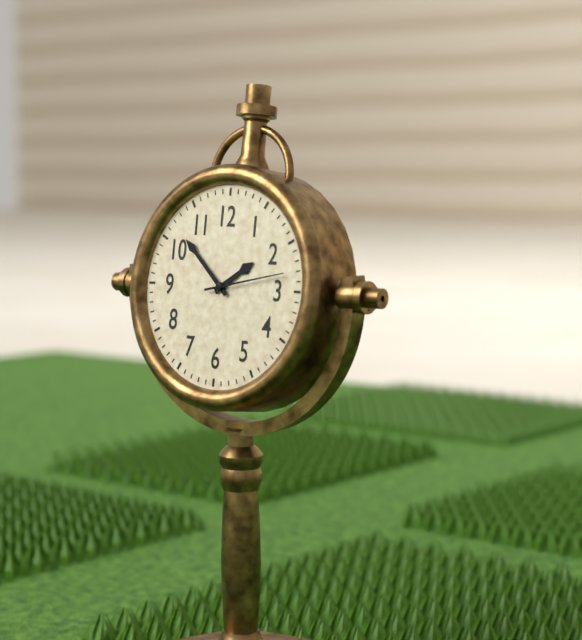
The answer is 1h52m13s
